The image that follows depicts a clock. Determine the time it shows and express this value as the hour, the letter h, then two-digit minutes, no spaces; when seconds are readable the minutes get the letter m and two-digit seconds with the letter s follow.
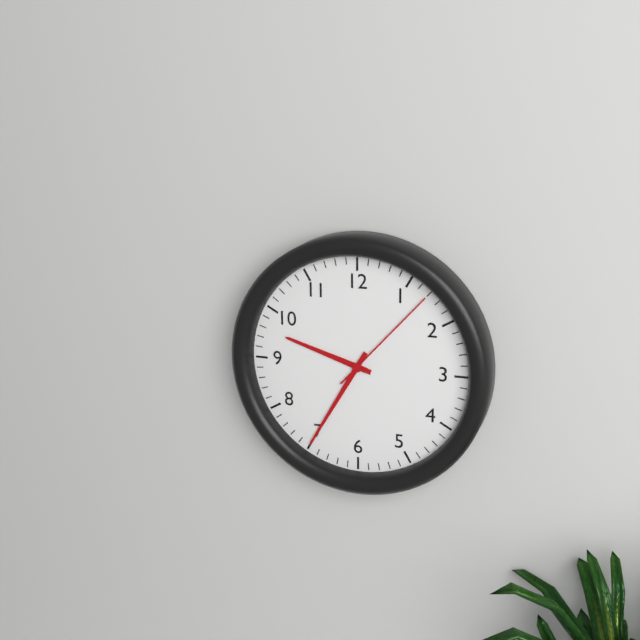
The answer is 9h35m07s
